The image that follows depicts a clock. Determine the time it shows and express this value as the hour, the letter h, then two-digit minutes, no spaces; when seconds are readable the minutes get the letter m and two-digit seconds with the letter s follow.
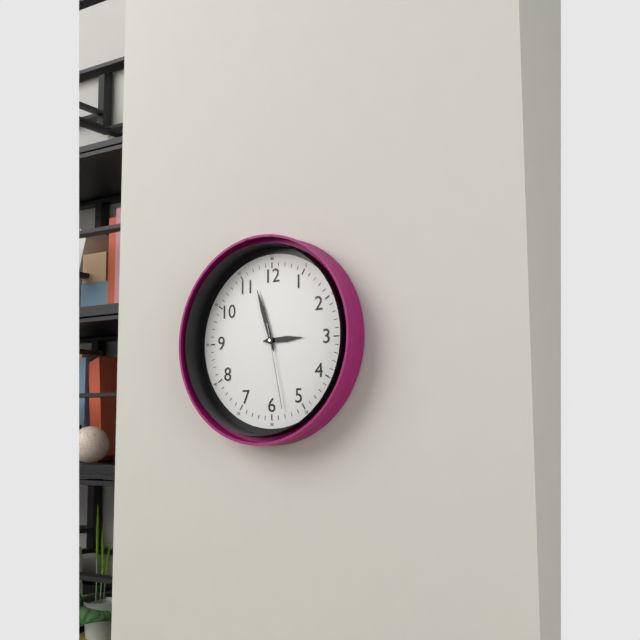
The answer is 2h57m28s
